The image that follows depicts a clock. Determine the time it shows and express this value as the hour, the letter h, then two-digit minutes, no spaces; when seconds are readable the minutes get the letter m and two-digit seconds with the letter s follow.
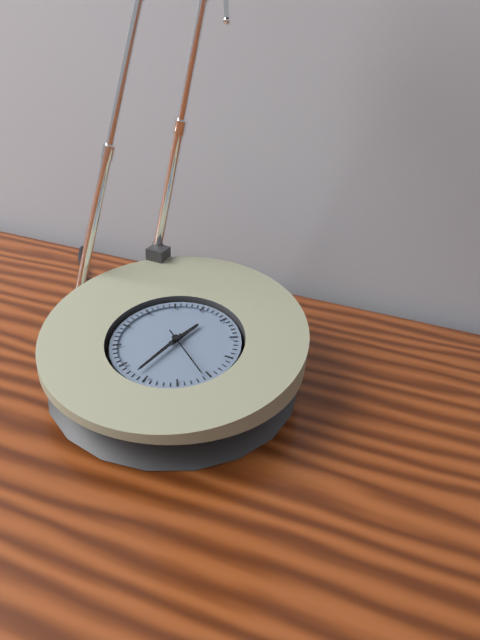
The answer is 12h32m21s
